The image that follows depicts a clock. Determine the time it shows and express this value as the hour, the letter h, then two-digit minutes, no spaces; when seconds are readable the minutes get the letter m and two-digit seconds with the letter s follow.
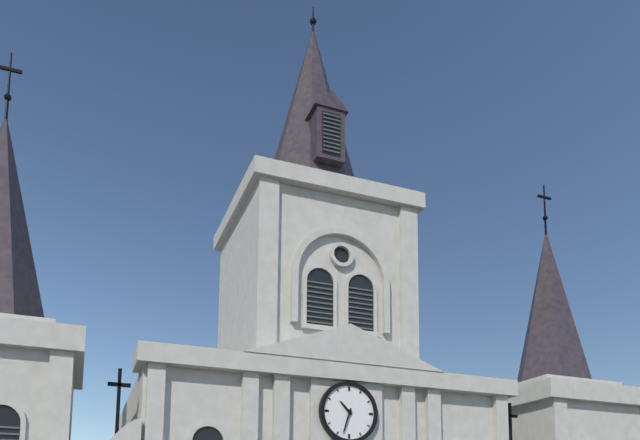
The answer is 10h33
